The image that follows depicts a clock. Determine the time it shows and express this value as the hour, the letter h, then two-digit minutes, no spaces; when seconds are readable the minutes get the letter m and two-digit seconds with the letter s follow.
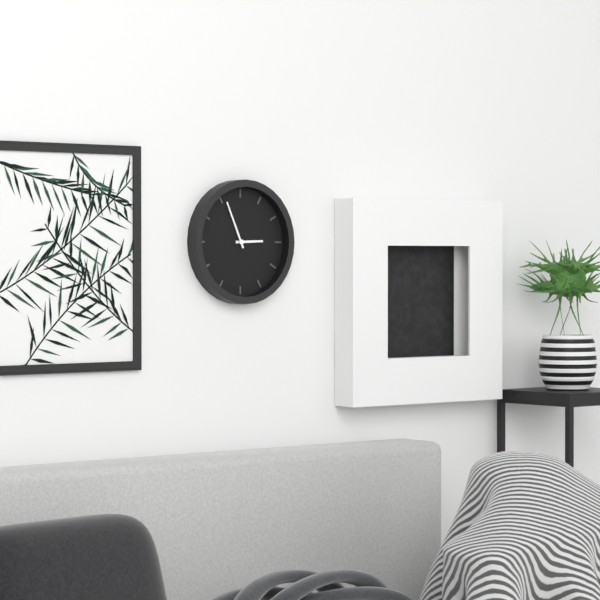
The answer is 2h56
